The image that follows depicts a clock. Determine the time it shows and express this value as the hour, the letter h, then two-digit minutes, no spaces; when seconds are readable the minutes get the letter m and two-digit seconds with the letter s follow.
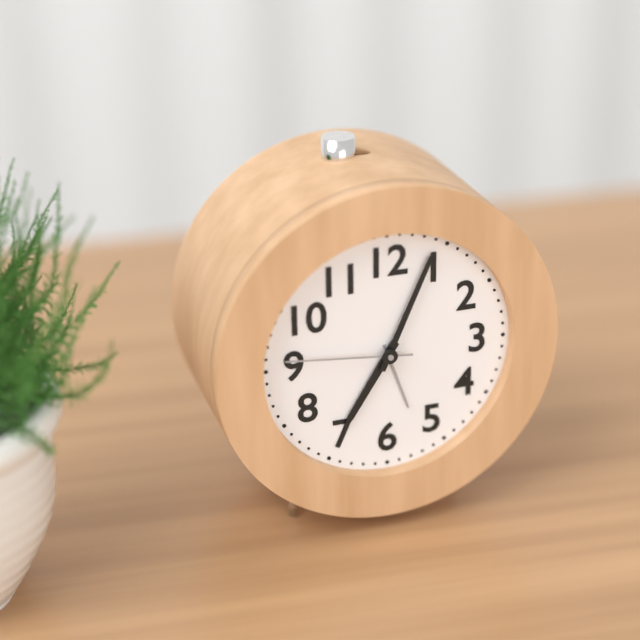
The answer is 7h04m46s
